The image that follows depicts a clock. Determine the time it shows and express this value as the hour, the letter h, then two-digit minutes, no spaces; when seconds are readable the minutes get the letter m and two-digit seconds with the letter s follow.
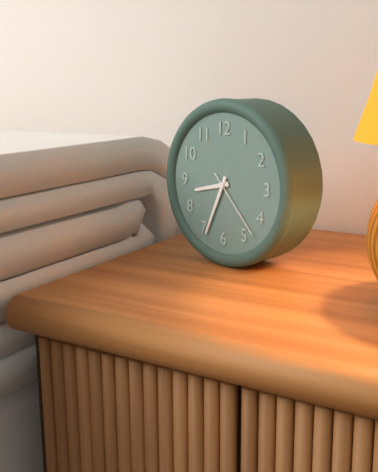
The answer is 8h34m23s
